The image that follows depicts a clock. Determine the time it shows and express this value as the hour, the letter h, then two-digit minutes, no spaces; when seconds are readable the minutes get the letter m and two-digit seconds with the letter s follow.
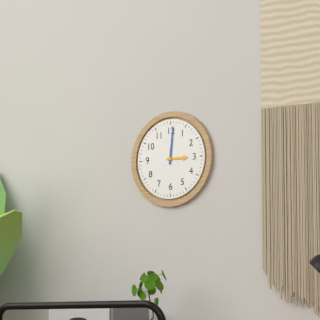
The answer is 3h01
